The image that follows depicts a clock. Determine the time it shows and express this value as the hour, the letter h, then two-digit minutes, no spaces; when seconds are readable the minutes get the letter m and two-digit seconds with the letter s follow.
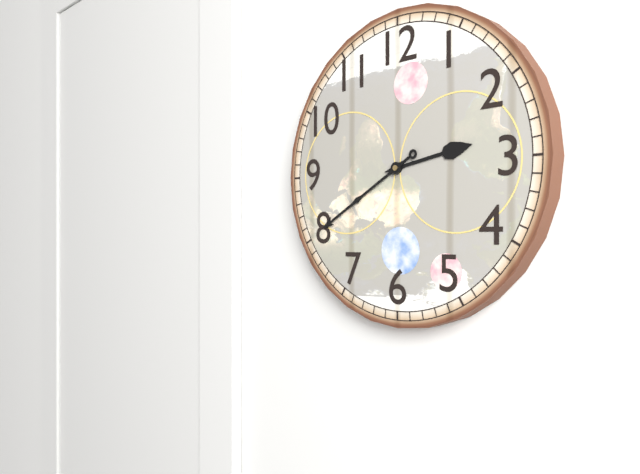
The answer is 2h40
